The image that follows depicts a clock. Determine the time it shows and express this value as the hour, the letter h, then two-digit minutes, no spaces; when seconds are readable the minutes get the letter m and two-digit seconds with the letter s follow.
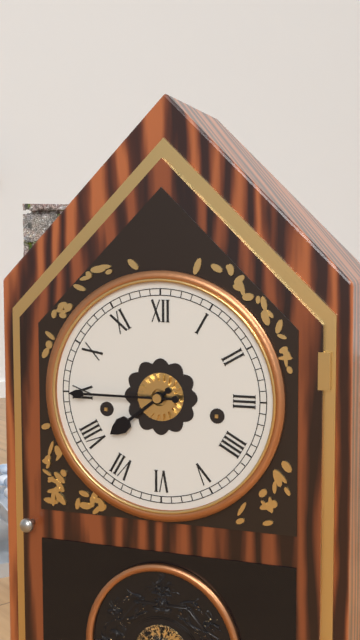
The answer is 7h45
